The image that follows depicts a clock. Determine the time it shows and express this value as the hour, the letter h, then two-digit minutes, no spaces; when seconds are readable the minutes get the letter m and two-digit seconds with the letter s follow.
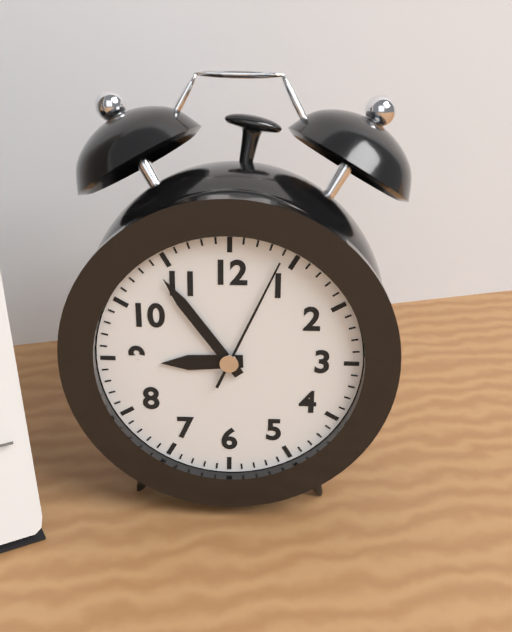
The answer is 8h54m04s
